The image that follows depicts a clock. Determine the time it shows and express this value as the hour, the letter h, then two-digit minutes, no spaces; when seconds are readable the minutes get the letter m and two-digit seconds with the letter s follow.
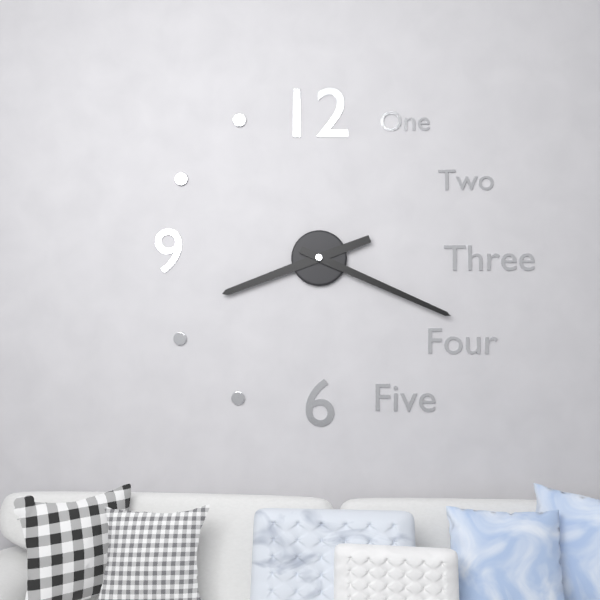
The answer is 8h19
